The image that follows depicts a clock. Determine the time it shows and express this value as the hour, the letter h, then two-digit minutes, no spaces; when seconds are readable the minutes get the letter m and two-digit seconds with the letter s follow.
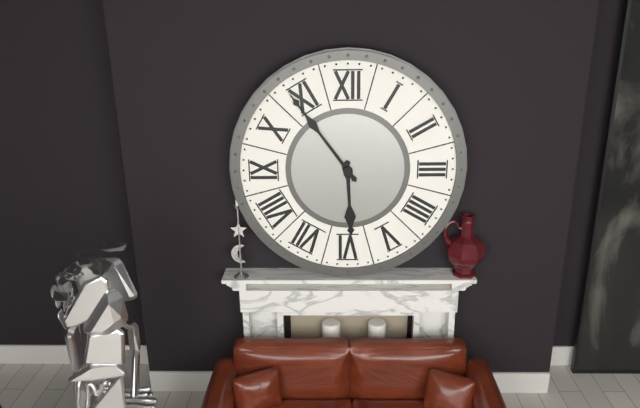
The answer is 5h54
